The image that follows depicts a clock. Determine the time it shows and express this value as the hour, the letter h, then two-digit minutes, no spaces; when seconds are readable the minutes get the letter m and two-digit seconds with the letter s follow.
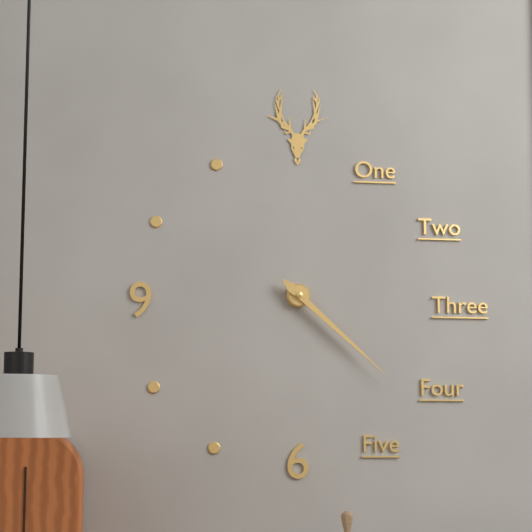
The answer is 4h22
